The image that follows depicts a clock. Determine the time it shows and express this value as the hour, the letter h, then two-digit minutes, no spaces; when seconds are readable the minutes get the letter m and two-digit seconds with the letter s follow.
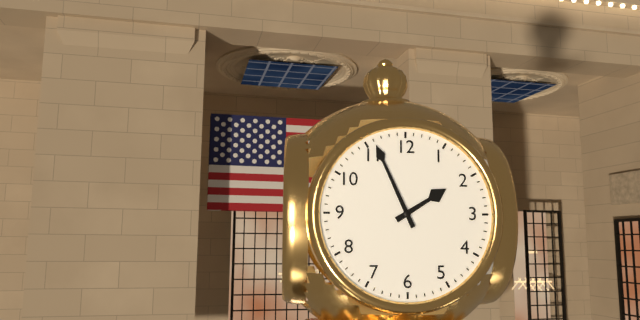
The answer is 1h56
